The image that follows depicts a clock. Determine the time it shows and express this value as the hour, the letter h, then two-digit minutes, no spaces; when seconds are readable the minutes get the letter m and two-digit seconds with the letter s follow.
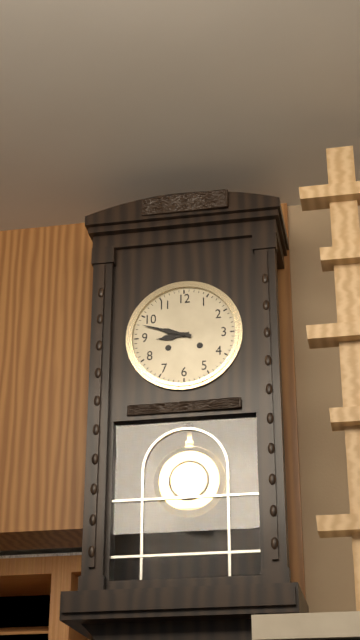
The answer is 8h48
